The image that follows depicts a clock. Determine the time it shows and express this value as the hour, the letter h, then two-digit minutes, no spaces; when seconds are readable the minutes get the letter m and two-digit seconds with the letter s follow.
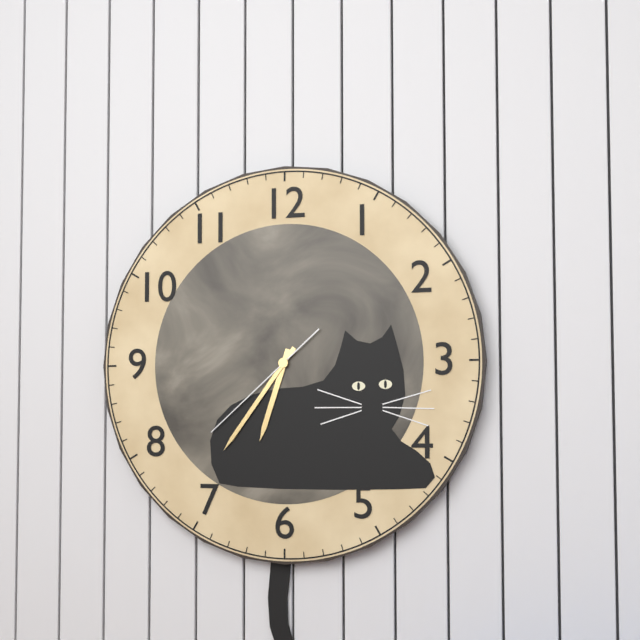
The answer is 6h36m38s
